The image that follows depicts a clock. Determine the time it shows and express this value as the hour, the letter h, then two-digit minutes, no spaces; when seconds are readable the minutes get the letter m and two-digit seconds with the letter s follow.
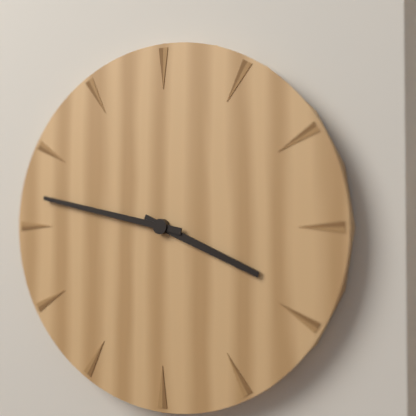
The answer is 3h47
